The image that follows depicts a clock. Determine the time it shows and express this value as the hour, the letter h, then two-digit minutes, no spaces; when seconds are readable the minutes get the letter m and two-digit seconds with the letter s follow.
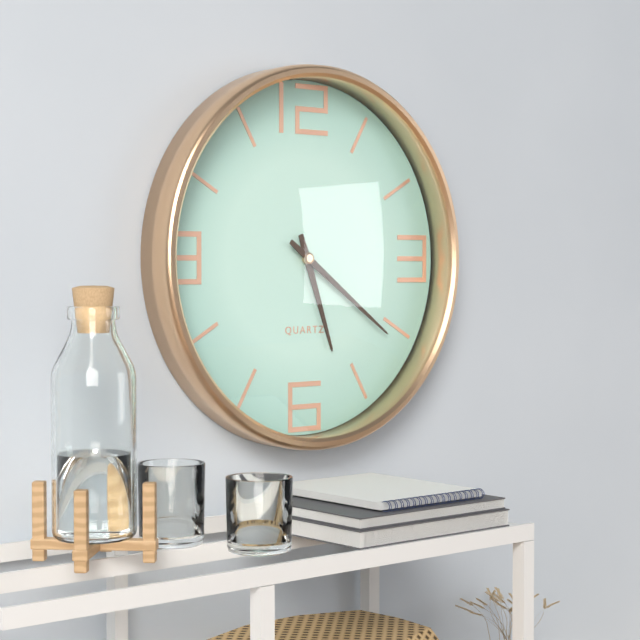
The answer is 5h21
